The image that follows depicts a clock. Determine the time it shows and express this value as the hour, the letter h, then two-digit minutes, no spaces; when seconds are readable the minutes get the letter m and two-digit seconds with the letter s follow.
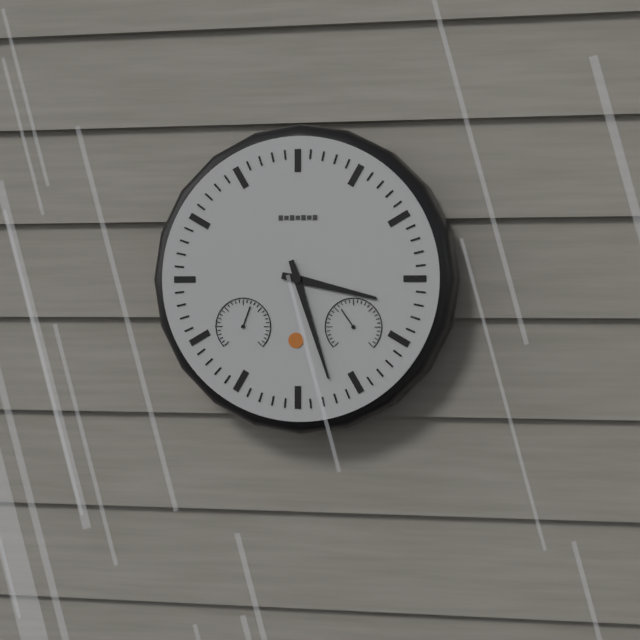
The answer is 3h27
